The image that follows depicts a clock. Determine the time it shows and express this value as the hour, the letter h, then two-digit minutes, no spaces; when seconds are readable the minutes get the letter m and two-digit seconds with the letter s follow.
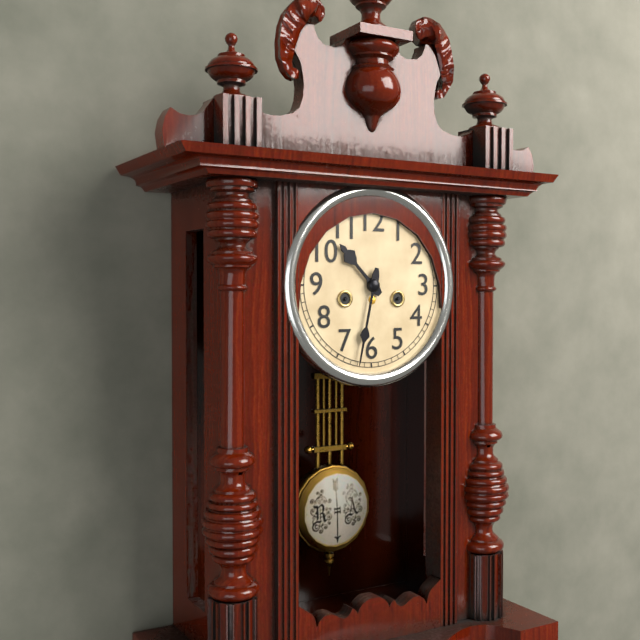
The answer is 10h32
